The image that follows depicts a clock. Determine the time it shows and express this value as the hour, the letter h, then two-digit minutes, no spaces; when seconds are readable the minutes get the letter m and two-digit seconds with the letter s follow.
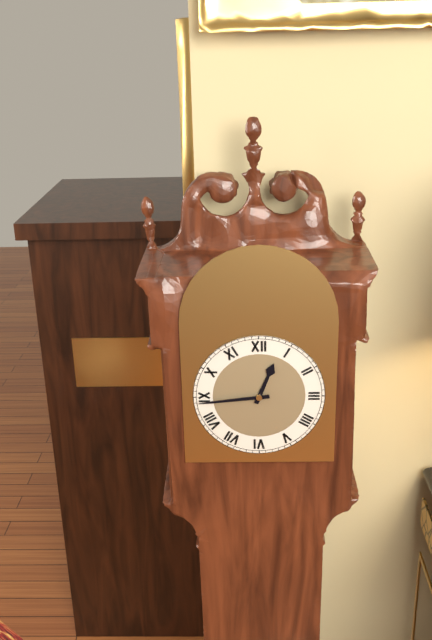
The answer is 12h44
